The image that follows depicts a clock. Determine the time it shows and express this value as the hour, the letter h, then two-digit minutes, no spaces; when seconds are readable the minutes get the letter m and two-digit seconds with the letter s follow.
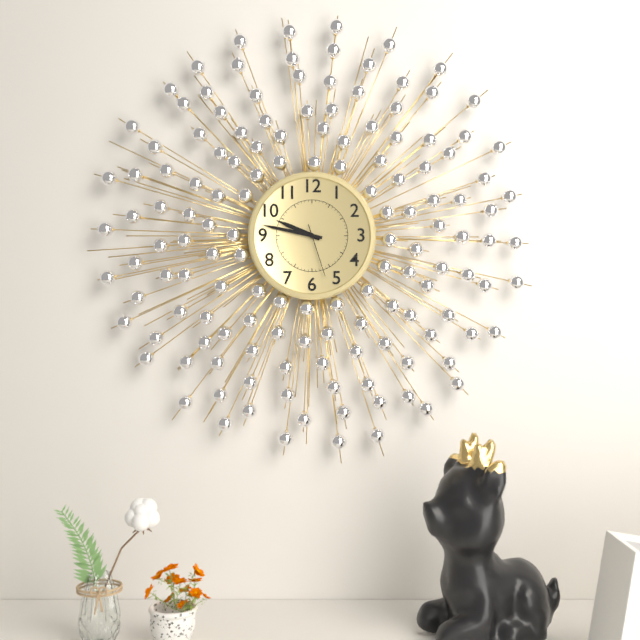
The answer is 9h47m27s
